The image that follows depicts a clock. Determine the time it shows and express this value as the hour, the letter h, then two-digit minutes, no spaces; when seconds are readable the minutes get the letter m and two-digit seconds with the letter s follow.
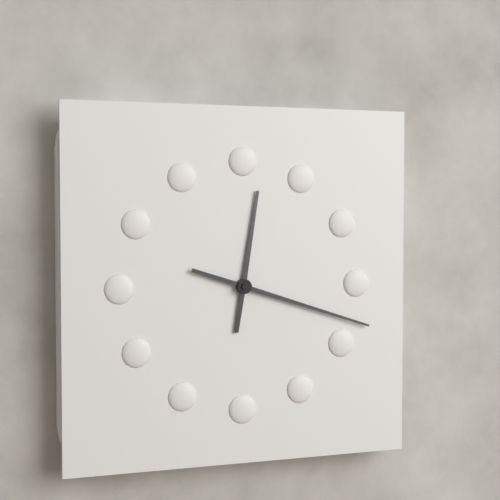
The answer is 12h18
